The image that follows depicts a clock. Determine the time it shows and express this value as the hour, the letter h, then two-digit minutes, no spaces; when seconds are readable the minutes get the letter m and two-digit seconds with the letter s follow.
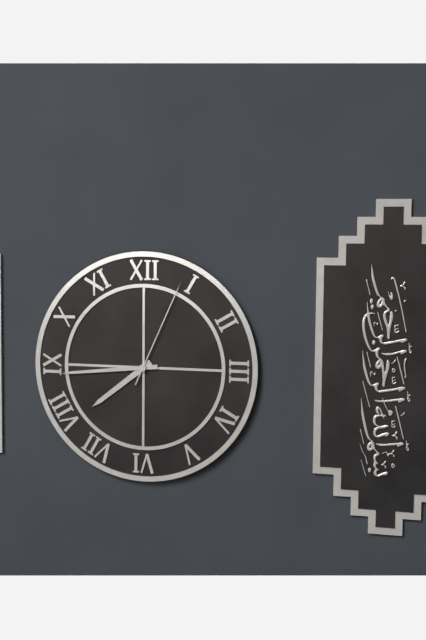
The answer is 7h44m04s
